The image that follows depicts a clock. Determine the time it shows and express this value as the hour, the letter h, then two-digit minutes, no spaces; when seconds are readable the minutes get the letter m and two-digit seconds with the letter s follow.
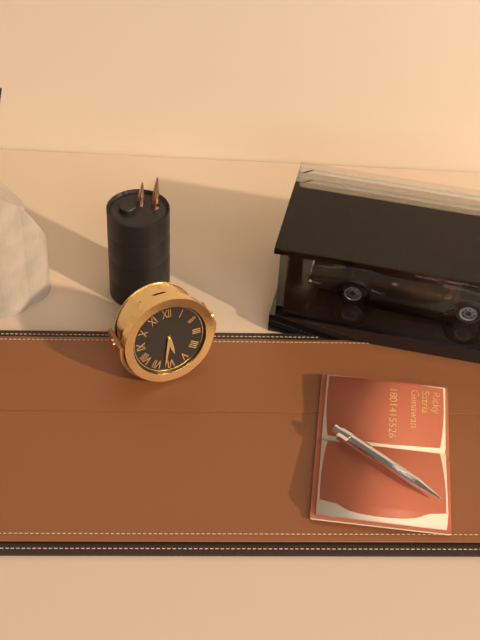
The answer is 5h32
